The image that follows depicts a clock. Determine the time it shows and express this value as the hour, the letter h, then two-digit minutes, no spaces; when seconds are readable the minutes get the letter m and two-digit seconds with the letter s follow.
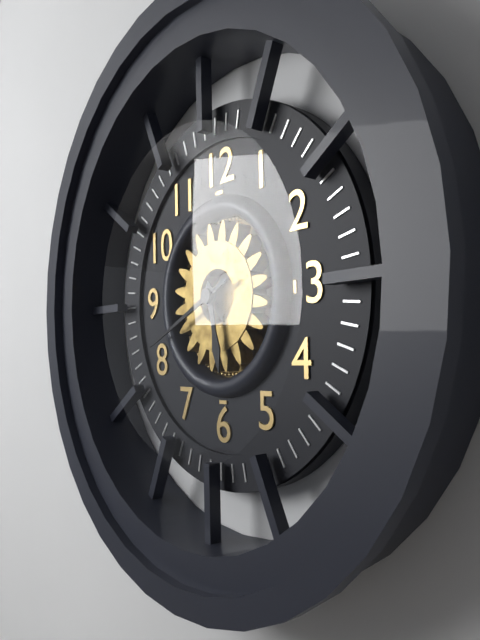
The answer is 5h41
